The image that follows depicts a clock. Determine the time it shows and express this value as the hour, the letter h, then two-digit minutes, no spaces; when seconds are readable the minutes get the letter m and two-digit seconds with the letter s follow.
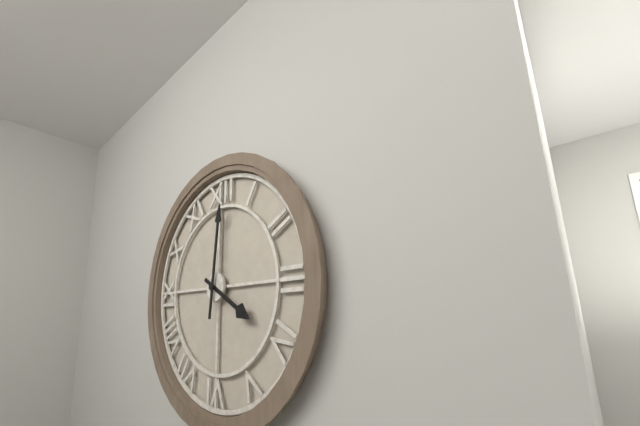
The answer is 4h01
